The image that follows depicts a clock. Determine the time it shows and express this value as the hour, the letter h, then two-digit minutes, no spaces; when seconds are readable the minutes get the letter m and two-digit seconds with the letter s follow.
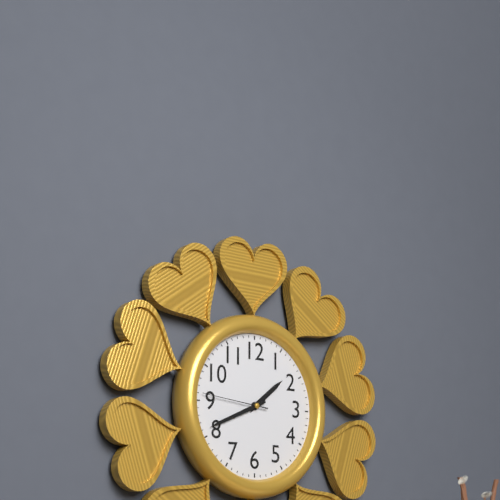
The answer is 1h41m46s
